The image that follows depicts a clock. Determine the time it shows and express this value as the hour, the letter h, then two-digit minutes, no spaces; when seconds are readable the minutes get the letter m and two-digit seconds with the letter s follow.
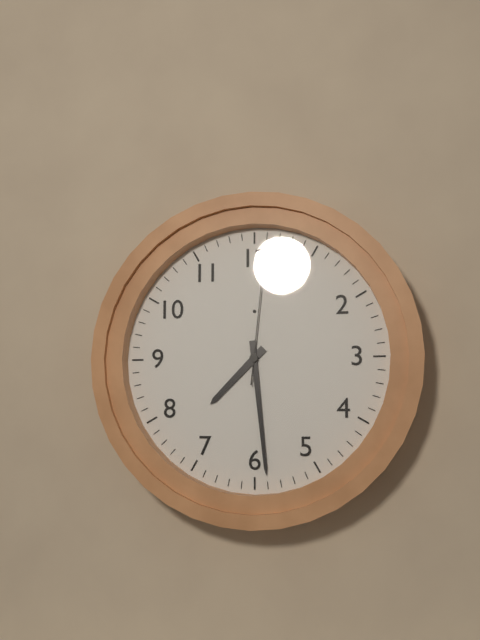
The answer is 7h29m01s
